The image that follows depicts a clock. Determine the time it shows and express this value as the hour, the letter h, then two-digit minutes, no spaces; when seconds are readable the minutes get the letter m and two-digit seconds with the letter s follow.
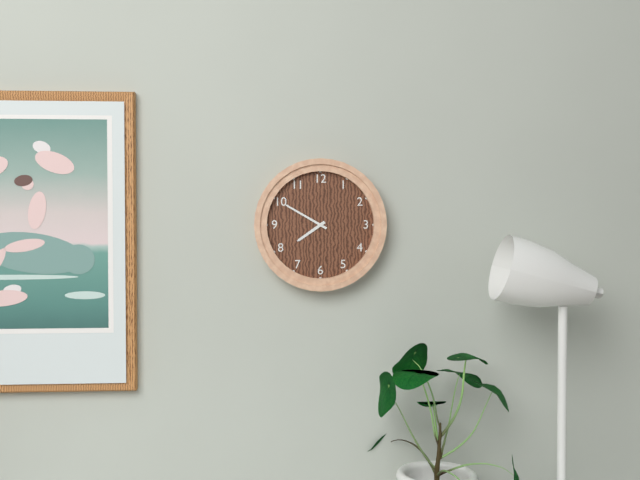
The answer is 7h50
